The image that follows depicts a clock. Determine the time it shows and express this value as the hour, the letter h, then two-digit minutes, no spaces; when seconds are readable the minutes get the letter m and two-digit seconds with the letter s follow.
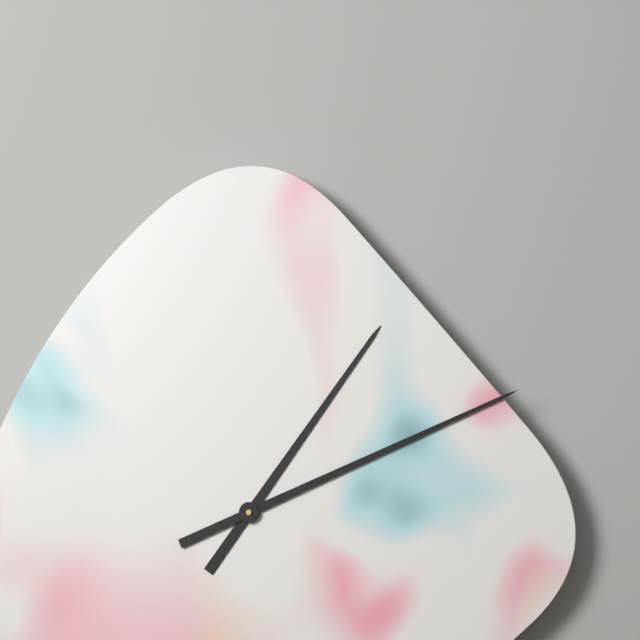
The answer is 1h11
